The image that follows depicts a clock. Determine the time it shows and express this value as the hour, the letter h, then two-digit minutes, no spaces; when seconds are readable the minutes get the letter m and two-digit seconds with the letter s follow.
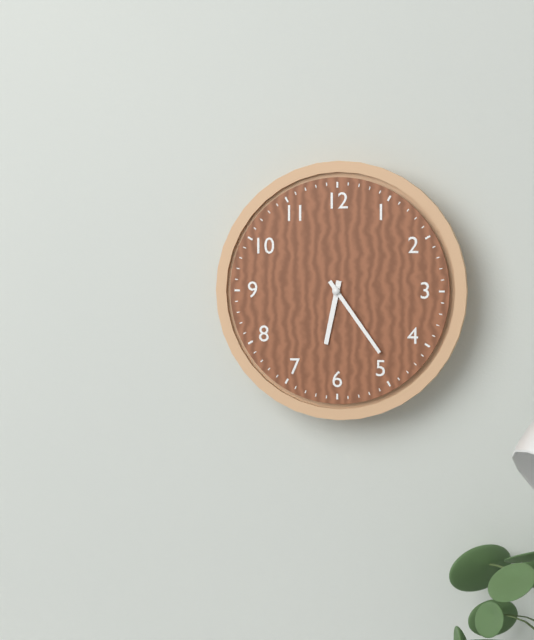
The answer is 6h24
